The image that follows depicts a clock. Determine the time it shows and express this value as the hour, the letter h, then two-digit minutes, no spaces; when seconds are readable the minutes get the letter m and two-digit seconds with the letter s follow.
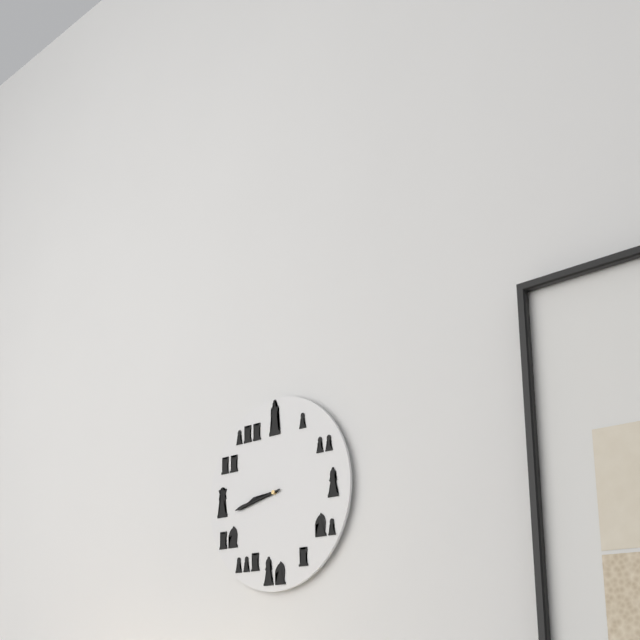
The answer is 8h43
